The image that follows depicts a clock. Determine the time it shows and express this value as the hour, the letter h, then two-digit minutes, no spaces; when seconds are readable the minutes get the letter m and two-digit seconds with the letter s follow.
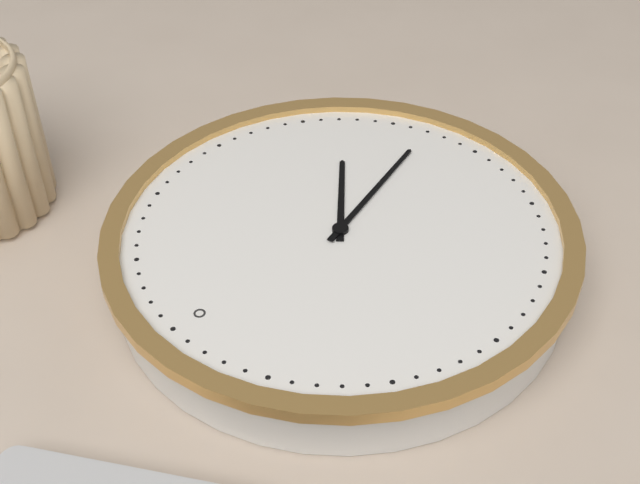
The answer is 4h27
